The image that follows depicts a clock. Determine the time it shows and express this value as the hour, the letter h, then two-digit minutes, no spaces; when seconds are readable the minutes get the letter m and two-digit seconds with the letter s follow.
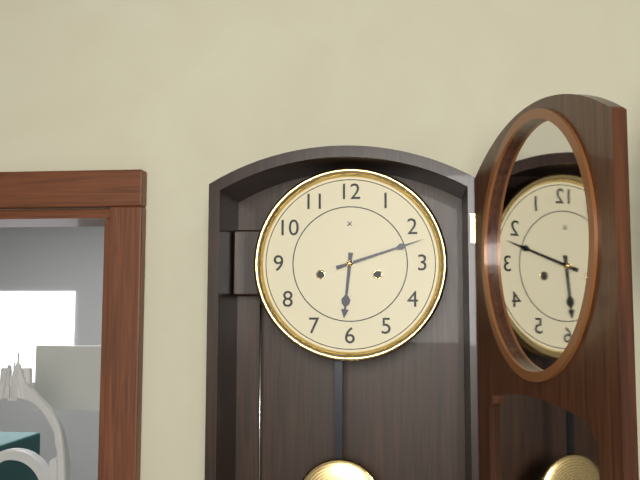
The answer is 6h12
